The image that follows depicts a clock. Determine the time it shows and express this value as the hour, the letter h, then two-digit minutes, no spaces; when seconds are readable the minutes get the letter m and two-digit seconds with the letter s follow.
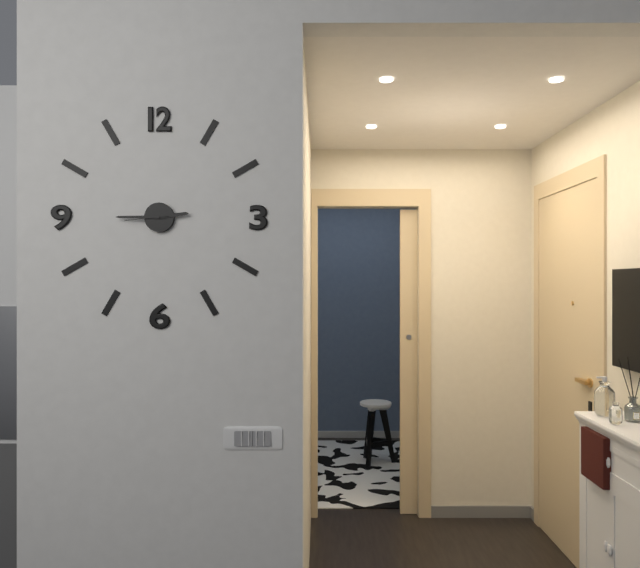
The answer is 2h45
